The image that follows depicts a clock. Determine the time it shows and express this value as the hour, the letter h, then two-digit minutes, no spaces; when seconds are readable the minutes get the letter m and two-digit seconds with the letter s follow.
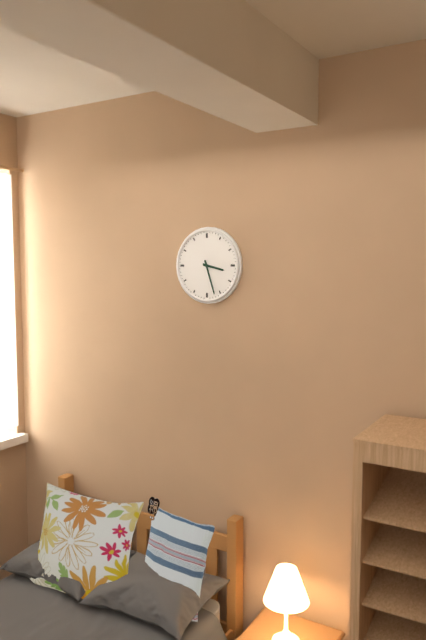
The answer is 3h27
